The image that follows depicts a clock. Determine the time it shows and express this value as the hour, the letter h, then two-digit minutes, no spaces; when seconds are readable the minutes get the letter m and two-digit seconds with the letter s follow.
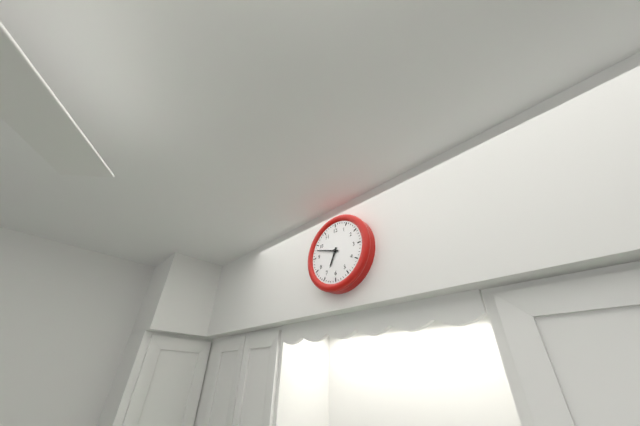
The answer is 6h48
